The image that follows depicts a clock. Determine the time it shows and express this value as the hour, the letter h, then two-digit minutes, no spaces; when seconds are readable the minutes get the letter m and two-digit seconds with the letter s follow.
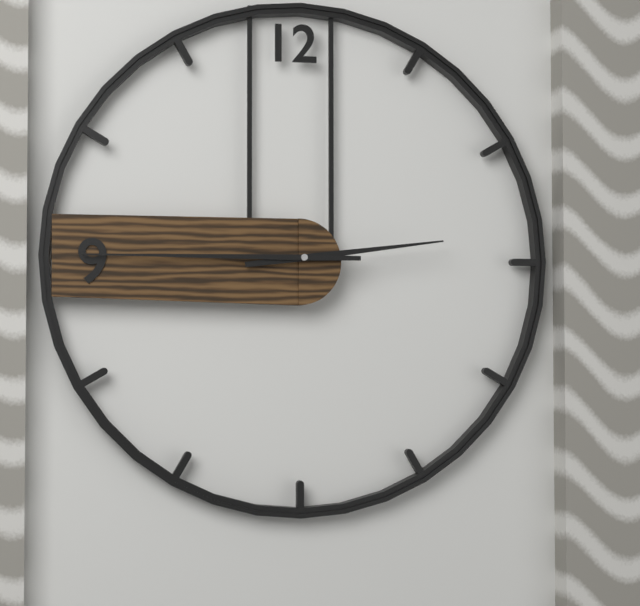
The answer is 2h45
